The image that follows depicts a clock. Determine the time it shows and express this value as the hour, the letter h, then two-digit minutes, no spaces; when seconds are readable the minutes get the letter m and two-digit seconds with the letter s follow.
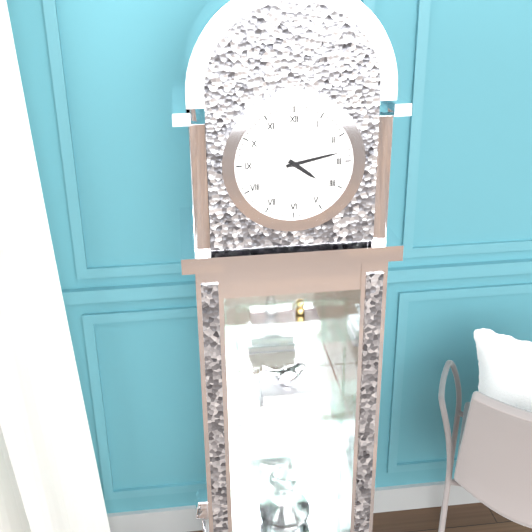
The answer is 4h13
